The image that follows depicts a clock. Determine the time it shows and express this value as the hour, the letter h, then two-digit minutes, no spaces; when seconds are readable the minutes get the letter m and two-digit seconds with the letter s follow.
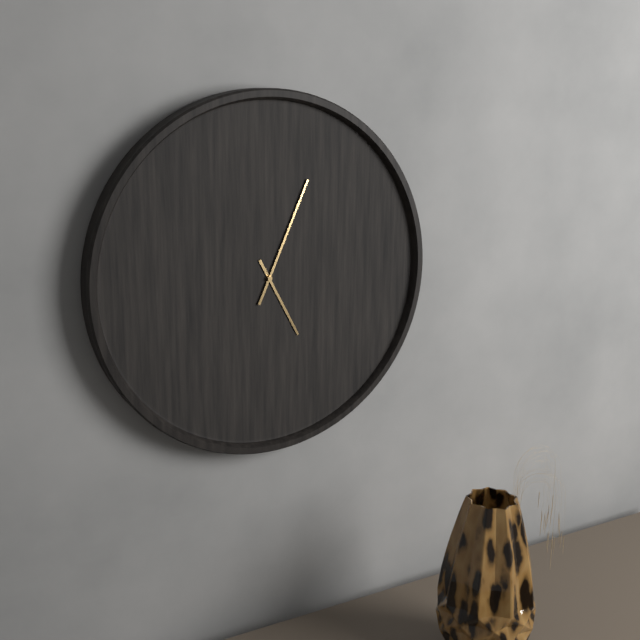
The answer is 5h04
